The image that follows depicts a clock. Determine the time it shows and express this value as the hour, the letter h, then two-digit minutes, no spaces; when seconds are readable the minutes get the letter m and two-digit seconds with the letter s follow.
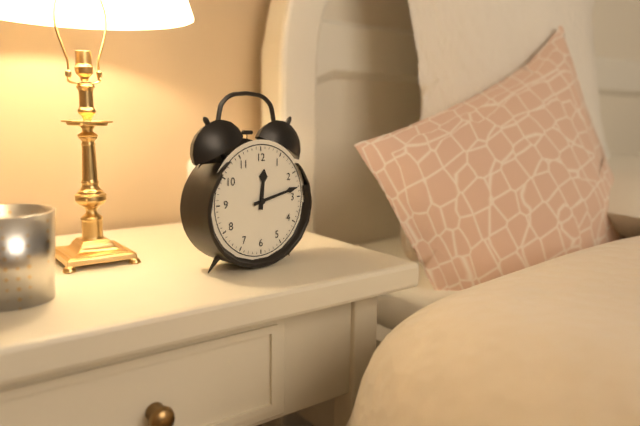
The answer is 12h13
